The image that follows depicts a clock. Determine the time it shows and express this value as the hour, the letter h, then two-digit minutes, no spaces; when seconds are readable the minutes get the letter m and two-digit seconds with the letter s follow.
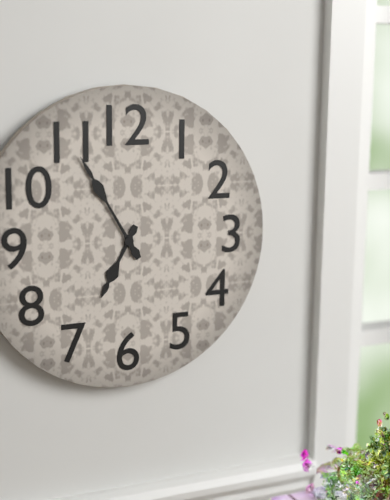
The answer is 6h55
